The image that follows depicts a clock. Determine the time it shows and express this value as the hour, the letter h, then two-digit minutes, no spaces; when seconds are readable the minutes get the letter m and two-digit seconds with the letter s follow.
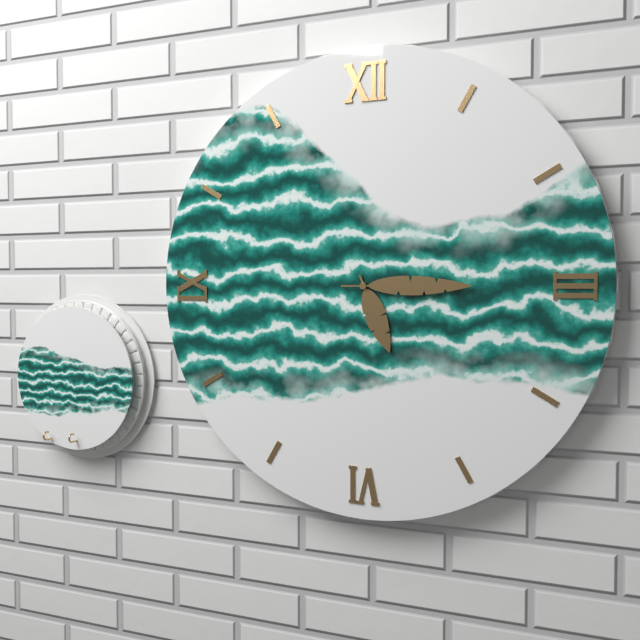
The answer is 5h15
